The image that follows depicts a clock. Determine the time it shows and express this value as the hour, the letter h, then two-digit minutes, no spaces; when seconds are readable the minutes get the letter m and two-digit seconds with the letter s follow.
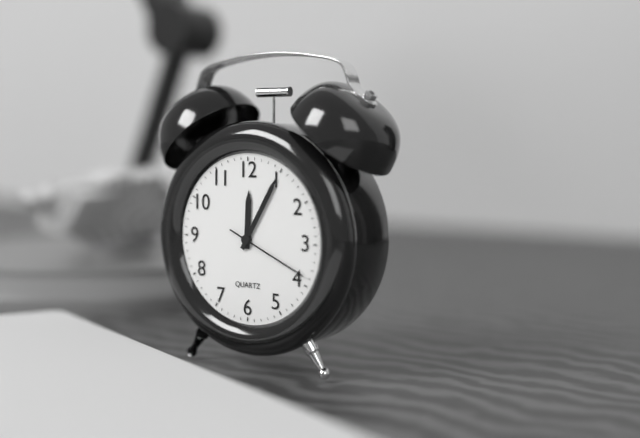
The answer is 12h05m19s
